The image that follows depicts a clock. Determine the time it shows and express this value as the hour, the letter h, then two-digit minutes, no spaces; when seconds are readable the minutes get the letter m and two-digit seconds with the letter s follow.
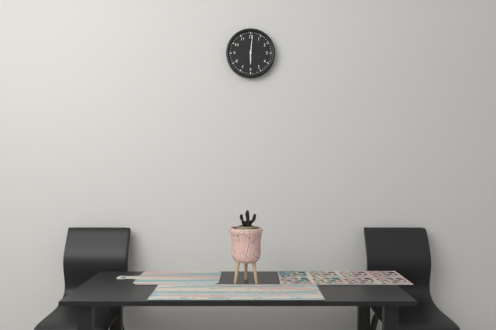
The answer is 6h01
